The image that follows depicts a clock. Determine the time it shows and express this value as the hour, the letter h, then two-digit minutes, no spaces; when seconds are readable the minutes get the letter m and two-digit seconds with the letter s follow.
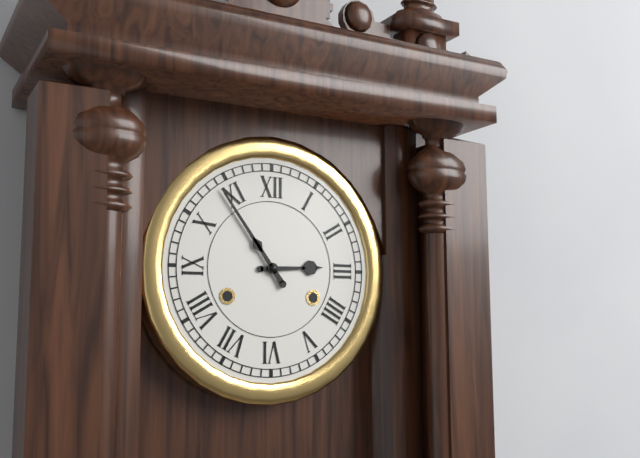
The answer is 2h54
